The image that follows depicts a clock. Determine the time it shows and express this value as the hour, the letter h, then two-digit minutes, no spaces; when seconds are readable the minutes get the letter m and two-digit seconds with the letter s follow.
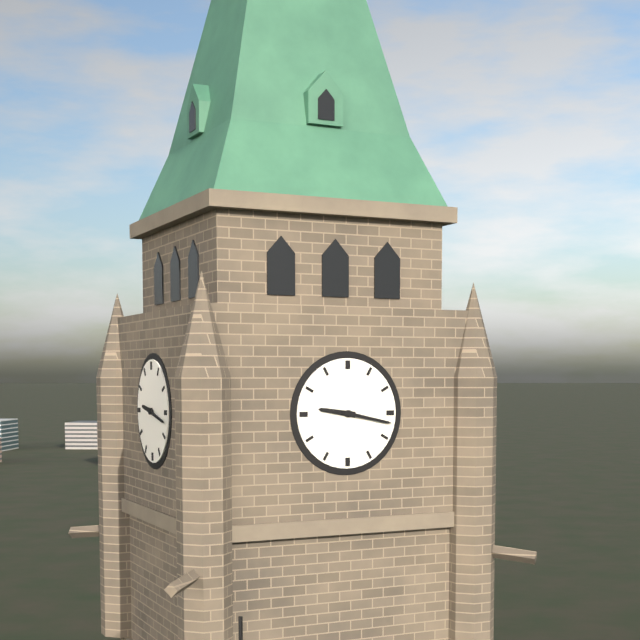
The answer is 9h17
